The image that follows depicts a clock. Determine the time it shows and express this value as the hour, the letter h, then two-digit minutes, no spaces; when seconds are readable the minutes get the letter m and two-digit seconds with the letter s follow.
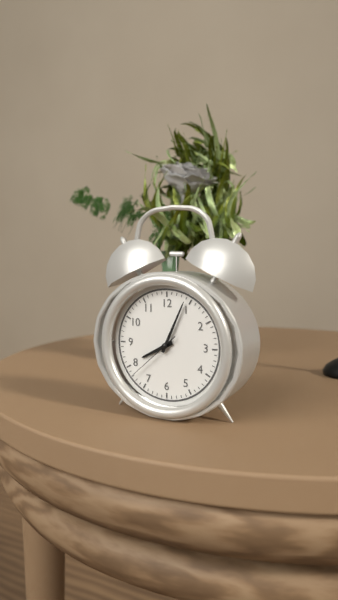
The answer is 8h04m38s
